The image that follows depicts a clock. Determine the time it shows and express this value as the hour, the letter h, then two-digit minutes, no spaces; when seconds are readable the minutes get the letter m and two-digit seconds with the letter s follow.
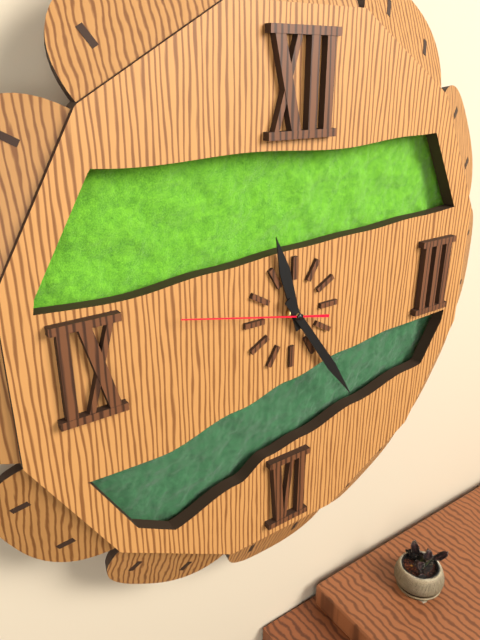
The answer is 11h24m47s
